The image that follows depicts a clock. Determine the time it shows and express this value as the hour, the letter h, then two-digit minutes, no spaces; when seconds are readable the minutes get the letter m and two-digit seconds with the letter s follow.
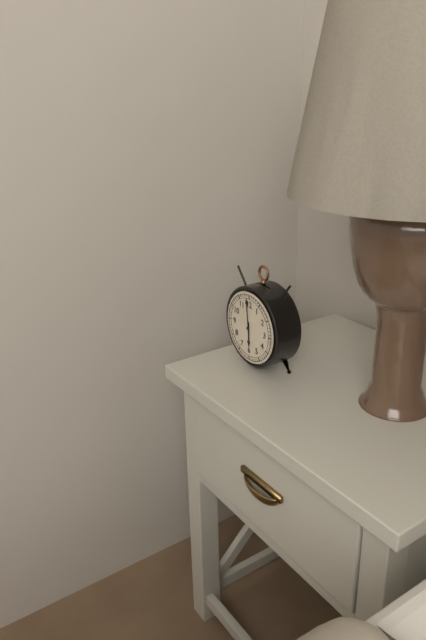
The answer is 5h59
